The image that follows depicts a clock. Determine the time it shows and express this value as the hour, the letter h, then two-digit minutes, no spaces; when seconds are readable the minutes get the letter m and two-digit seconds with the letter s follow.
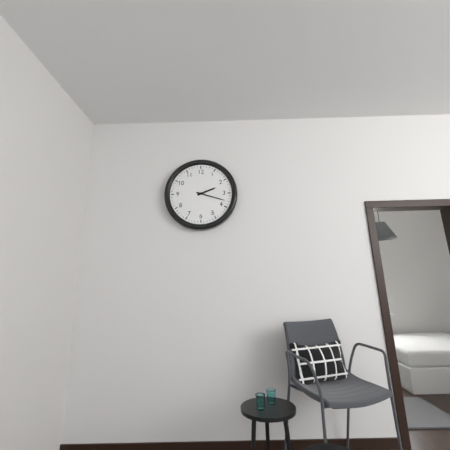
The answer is 2h18
